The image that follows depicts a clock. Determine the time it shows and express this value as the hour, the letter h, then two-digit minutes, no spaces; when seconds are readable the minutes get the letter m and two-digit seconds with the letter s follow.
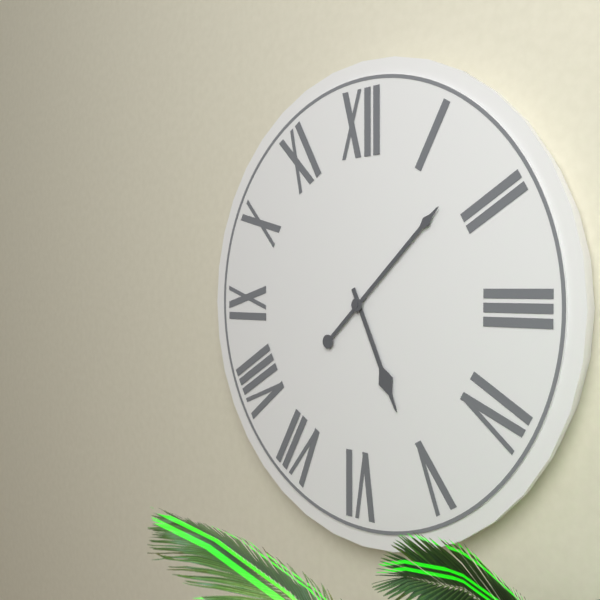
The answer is 5h08
